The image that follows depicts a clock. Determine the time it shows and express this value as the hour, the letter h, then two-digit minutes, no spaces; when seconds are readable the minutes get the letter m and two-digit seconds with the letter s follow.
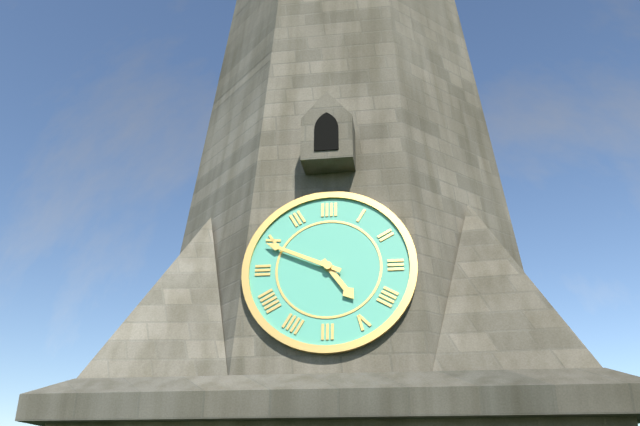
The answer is 4h49
